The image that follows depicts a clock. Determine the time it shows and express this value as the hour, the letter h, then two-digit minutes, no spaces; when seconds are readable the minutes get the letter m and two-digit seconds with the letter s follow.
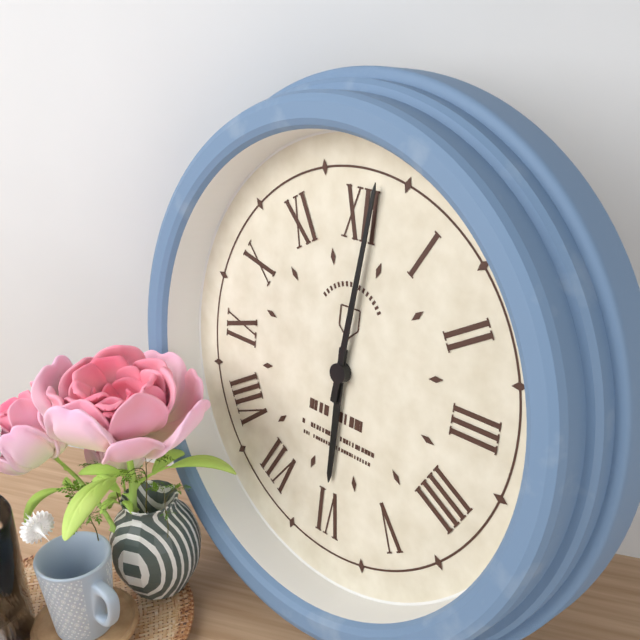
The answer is 6h01
